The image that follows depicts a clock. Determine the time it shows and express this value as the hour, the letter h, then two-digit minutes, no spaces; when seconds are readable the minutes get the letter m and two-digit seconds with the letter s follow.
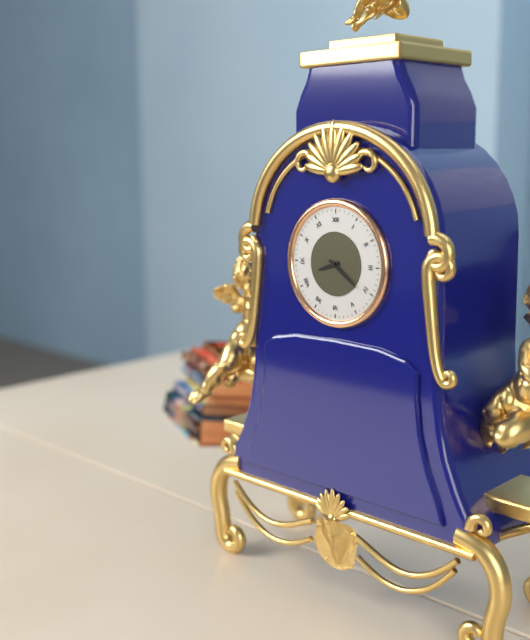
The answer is 8h21
